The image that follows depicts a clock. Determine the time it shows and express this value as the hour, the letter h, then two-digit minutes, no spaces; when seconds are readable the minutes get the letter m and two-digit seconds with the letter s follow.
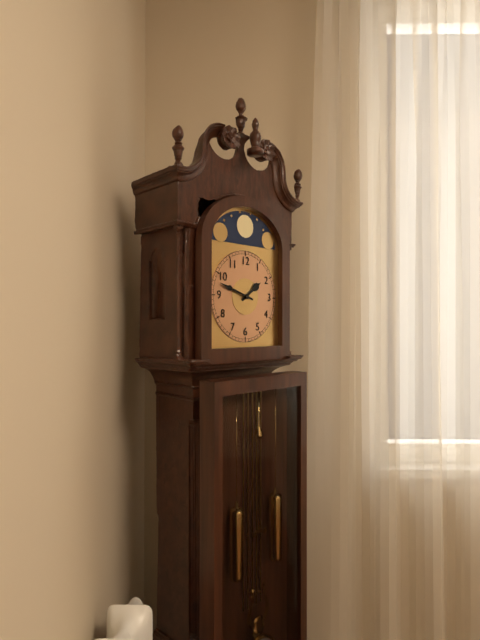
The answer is 1h48
